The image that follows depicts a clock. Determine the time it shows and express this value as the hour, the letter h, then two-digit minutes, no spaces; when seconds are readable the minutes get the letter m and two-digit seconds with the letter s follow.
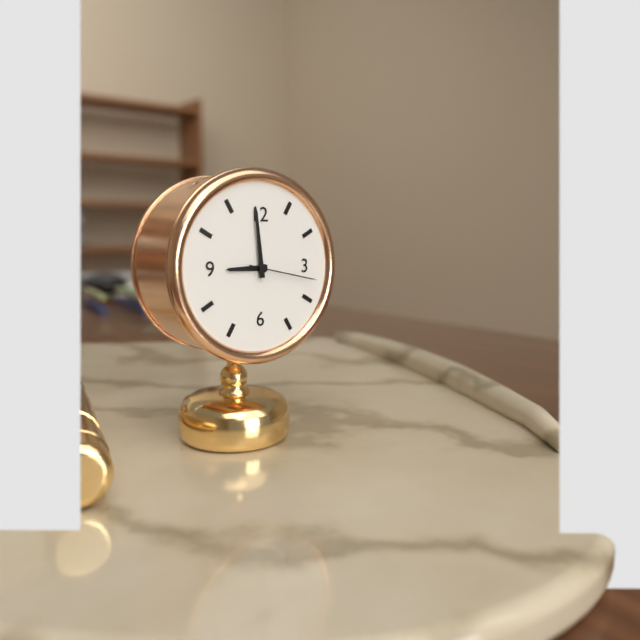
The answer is 8h59m17s
